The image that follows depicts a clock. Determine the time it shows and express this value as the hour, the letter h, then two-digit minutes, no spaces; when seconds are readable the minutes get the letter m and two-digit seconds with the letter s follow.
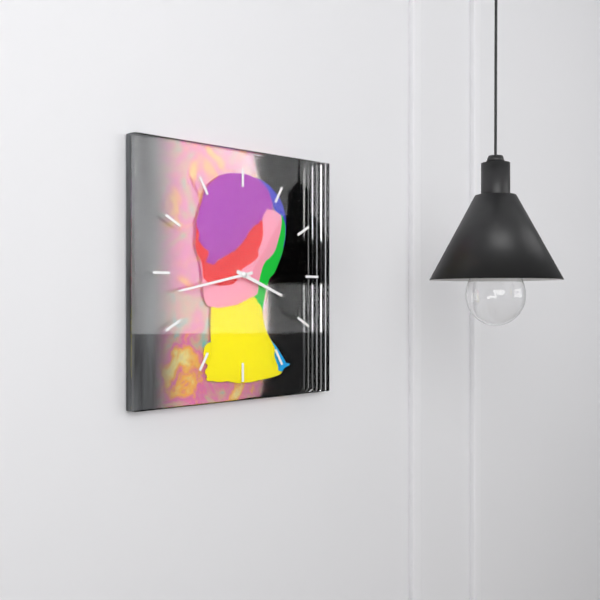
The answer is 3h43
